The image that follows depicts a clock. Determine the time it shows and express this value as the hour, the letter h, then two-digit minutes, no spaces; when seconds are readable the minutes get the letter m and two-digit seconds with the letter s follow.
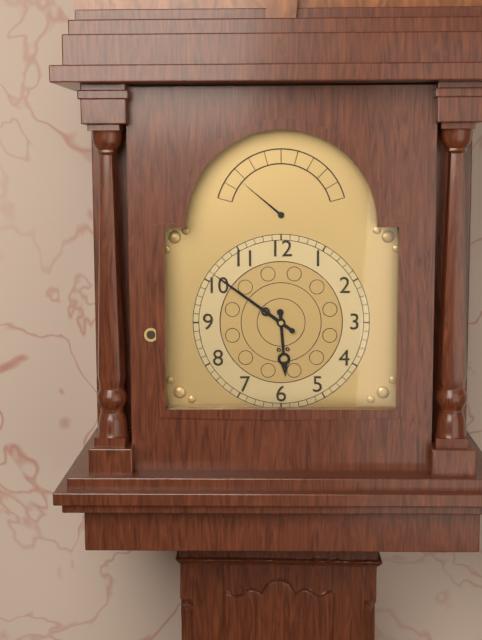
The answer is 5h51
